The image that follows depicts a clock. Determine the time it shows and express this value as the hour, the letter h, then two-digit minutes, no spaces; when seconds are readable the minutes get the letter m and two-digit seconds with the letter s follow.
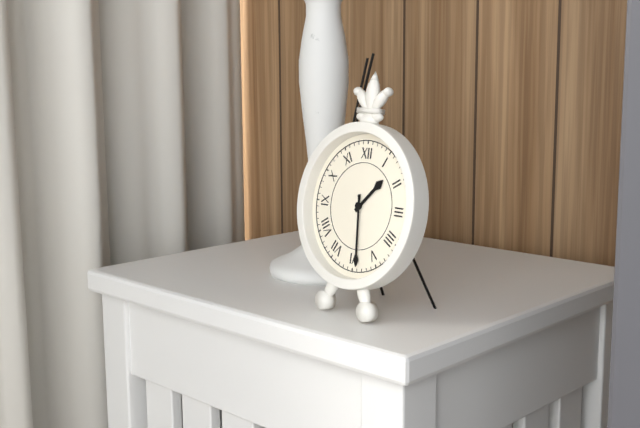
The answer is 1h29
